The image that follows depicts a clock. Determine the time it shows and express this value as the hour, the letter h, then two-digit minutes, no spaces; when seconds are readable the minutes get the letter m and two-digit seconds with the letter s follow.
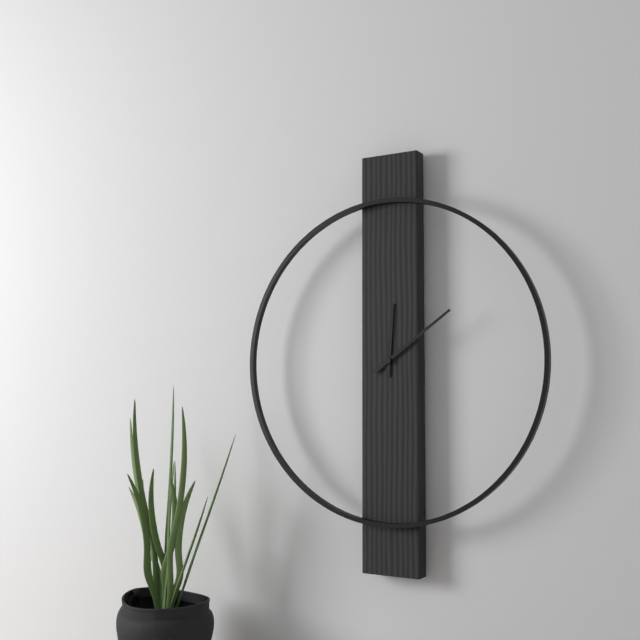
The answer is 12h09
